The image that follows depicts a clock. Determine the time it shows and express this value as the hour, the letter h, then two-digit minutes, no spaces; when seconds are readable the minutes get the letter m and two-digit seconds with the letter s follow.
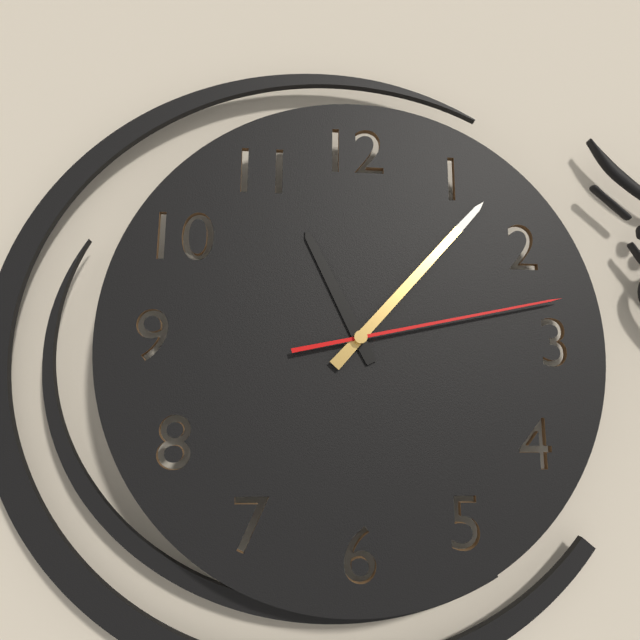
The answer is 11h07m13s
